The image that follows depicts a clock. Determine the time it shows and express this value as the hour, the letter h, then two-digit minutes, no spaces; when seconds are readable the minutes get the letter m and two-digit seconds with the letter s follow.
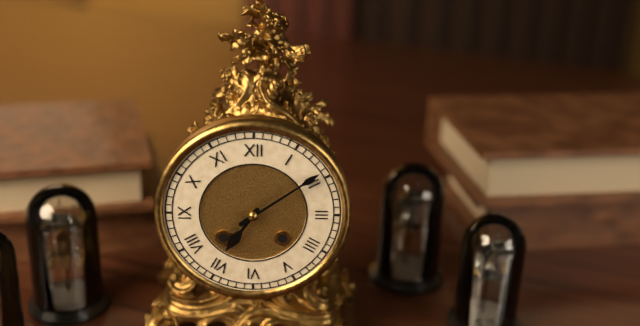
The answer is 7h09
